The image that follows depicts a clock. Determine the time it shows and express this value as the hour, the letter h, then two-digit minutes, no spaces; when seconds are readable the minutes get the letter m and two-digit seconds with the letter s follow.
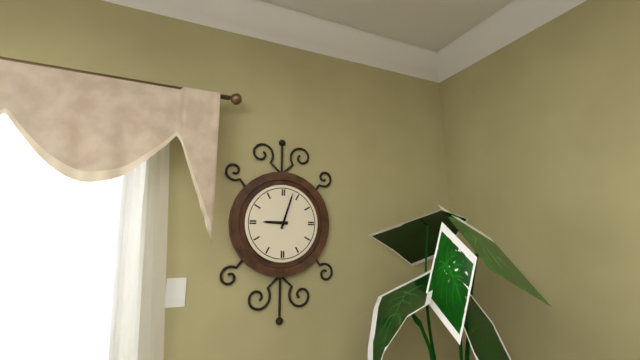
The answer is 9h03
